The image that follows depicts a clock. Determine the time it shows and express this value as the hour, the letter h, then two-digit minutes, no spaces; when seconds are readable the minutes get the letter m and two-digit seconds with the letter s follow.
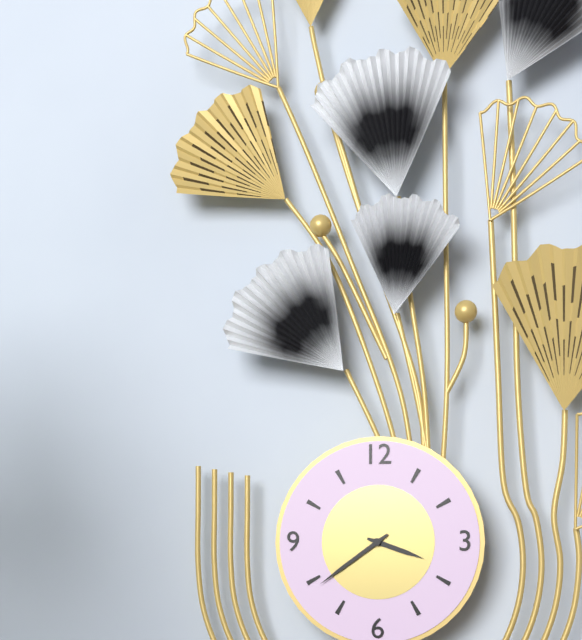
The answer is 3h39
